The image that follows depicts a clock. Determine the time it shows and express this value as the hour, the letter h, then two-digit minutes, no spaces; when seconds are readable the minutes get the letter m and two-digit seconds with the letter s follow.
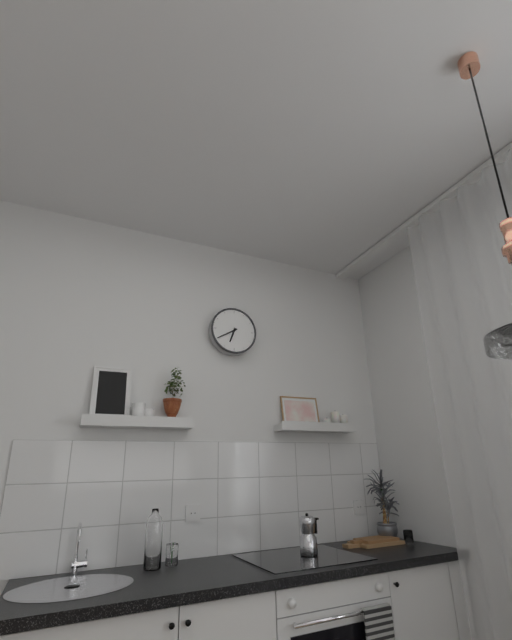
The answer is 6h40
